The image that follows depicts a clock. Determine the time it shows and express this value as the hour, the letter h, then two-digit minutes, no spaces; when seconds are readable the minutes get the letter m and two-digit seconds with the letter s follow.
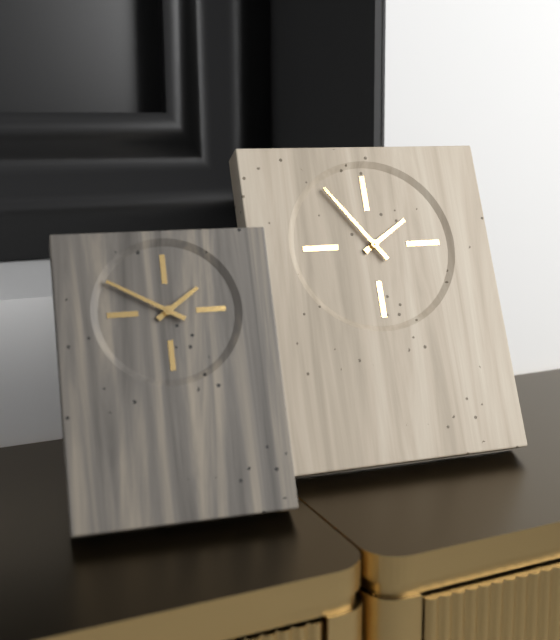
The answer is 1h54
